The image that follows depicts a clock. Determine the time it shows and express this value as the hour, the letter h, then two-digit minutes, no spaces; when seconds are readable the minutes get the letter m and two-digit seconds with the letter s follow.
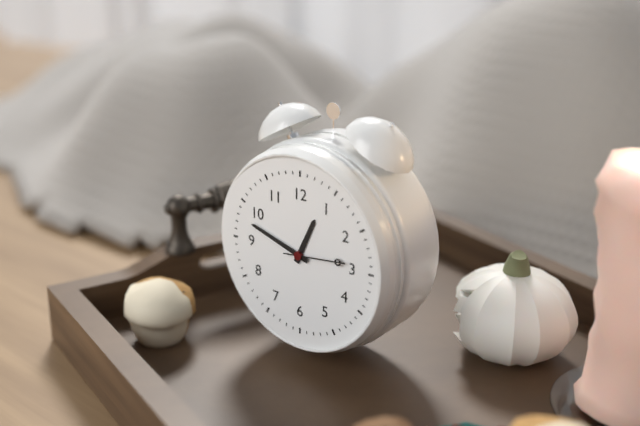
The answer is 12h48m14s
